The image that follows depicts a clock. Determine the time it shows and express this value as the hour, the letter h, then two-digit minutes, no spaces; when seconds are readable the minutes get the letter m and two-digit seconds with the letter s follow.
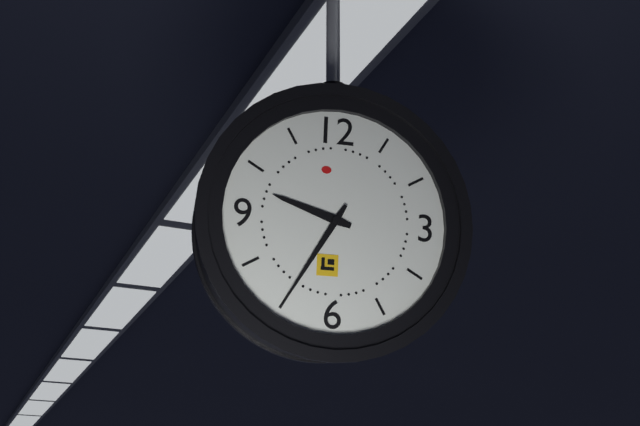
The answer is 9h35
